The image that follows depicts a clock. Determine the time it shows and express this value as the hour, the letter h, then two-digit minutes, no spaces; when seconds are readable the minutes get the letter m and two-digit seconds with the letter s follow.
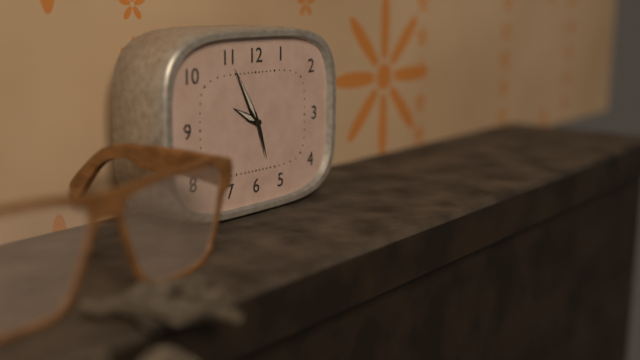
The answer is 9h55
